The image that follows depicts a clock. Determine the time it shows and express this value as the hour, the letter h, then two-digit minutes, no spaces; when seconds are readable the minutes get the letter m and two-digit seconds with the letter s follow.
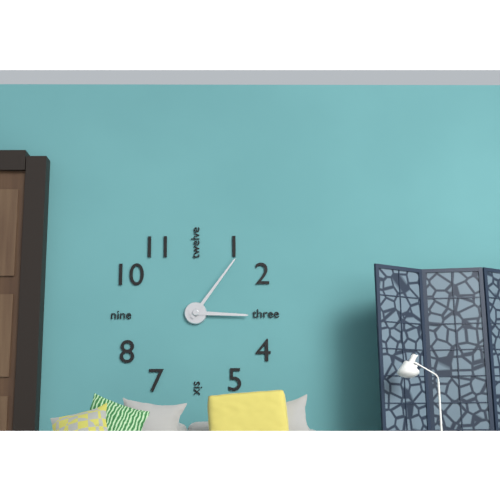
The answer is 3h06
